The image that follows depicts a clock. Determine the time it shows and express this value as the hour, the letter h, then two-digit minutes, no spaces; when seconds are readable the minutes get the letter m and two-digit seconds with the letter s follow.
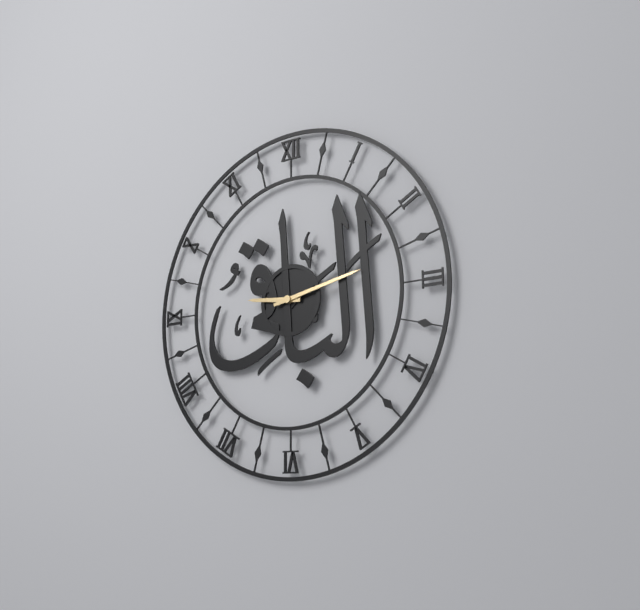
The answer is 9h13
